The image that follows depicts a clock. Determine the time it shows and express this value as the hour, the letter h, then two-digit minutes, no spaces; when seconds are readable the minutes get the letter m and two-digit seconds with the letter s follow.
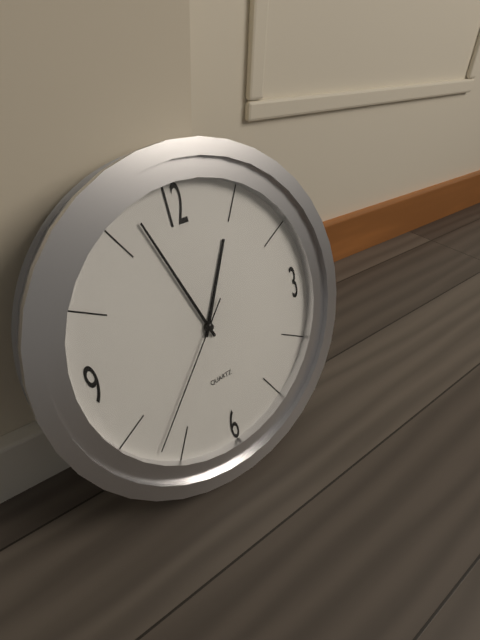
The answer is 12h57m37s
